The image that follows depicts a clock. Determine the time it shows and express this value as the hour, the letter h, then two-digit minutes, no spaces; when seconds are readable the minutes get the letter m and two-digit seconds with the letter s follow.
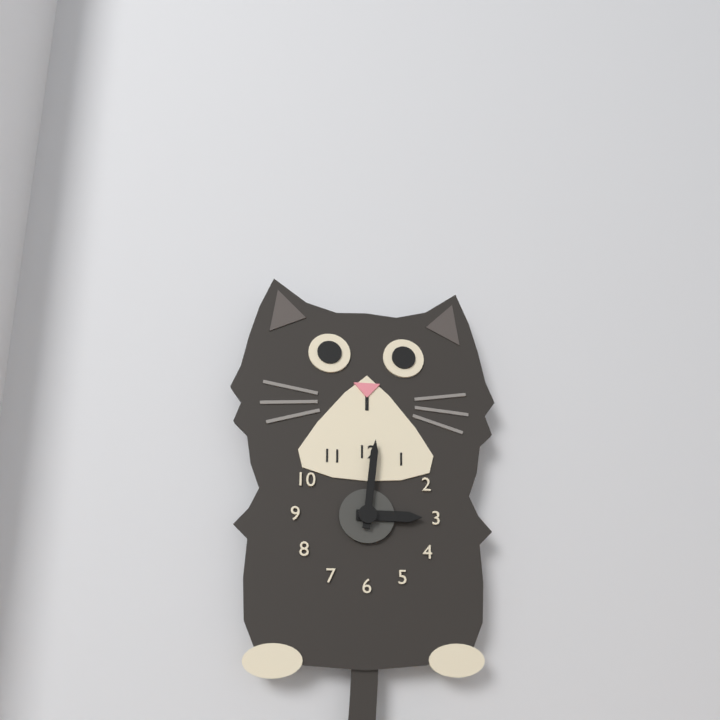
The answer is 3h01
